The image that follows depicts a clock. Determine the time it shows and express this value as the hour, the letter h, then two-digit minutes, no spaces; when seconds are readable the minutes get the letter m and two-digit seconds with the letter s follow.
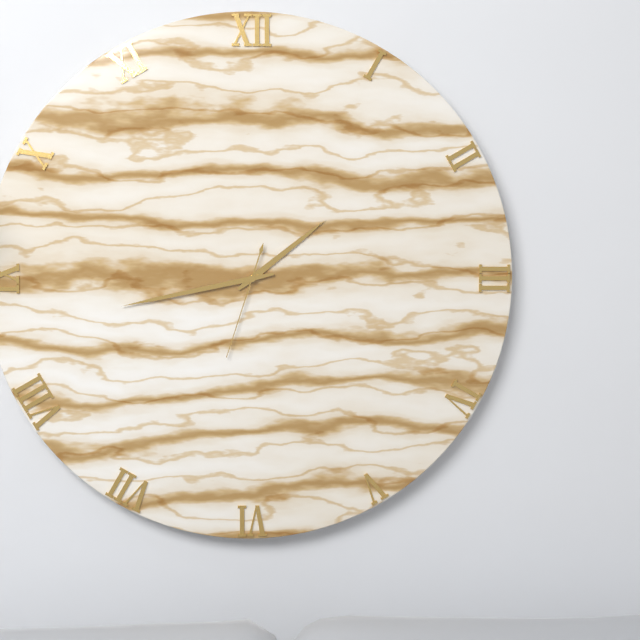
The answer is 1h43m33s
